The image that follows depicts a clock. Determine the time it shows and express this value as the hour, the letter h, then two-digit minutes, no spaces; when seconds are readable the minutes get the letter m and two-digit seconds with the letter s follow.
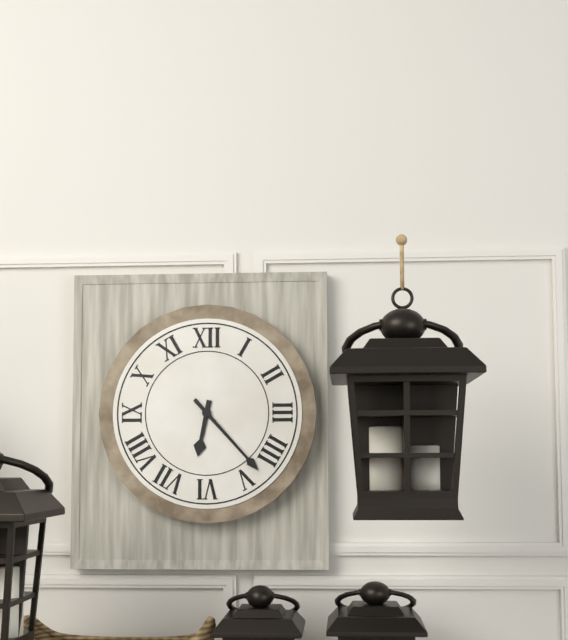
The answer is 6h23
